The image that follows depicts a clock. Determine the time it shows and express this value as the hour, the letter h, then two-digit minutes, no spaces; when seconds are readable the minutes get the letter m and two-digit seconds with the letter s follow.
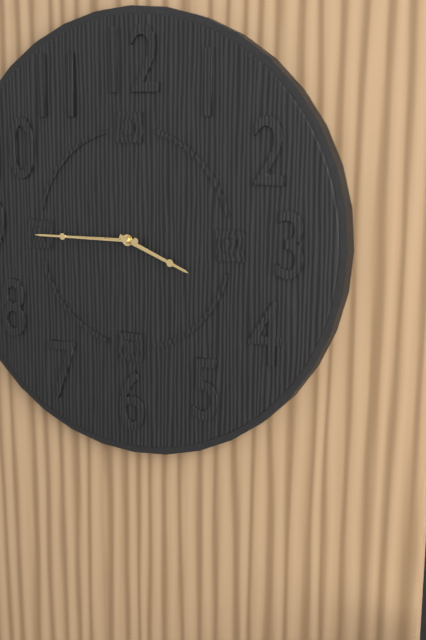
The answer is 3h45m45s
